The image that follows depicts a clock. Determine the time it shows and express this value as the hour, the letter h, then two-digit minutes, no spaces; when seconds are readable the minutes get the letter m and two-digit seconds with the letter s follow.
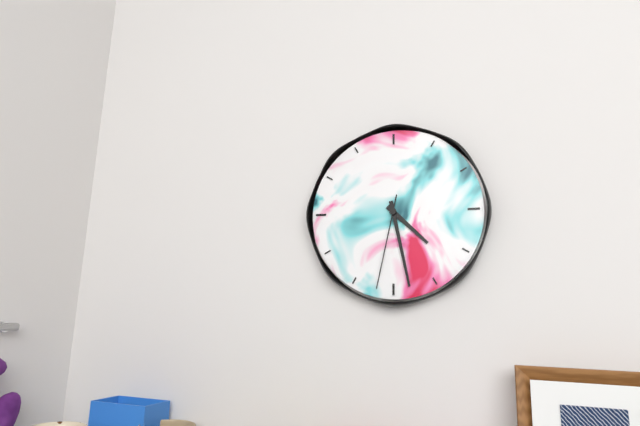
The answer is 4h28m32s
